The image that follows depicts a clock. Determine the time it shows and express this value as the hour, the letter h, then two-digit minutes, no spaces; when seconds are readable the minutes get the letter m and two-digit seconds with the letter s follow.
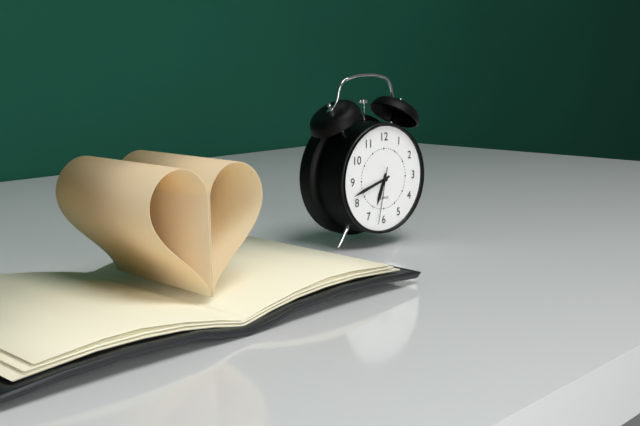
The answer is 6h42m32s
